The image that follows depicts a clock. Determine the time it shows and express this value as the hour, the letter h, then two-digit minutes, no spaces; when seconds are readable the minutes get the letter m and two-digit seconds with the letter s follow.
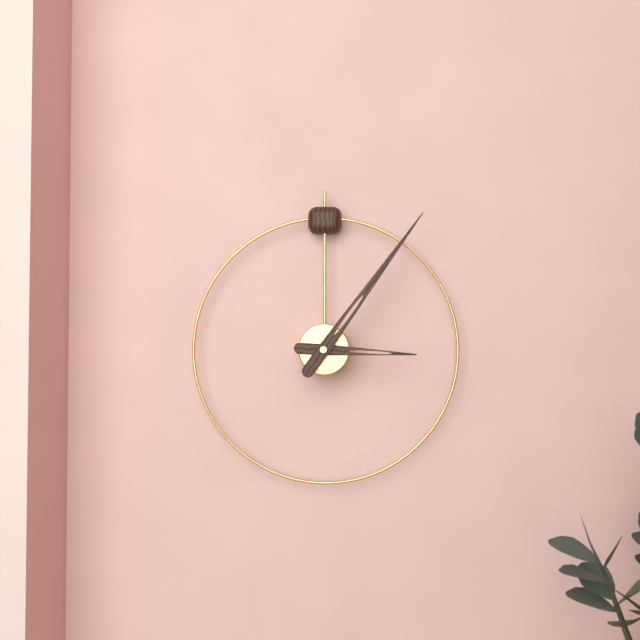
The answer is 3h06
